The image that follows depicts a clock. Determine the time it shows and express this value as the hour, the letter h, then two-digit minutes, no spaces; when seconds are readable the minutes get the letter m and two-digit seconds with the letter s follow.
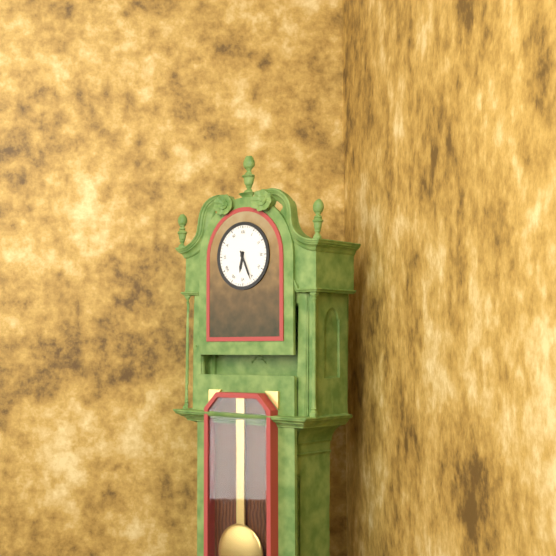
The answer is 6h26
